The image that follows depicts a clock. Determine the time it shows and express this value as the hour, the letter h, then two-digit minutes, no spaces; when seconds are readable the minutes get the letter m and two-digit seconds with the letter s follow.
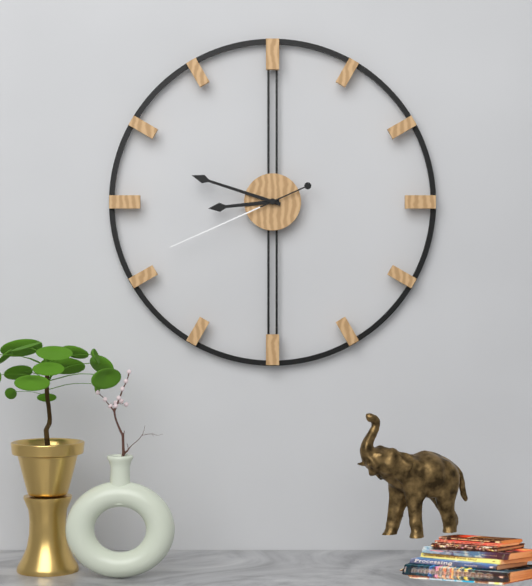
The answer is 8h48m41s
